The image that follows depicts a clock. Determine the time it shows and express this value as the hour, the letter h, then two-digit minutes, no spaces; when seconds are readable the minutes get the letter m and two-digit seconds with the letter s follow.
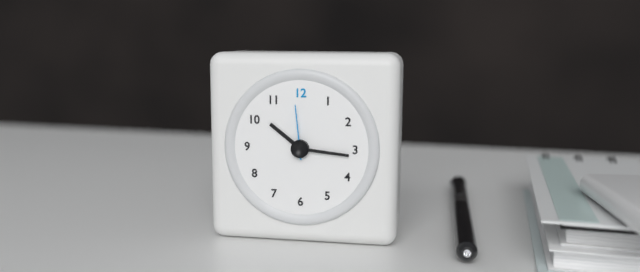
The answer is 10h16m59s
